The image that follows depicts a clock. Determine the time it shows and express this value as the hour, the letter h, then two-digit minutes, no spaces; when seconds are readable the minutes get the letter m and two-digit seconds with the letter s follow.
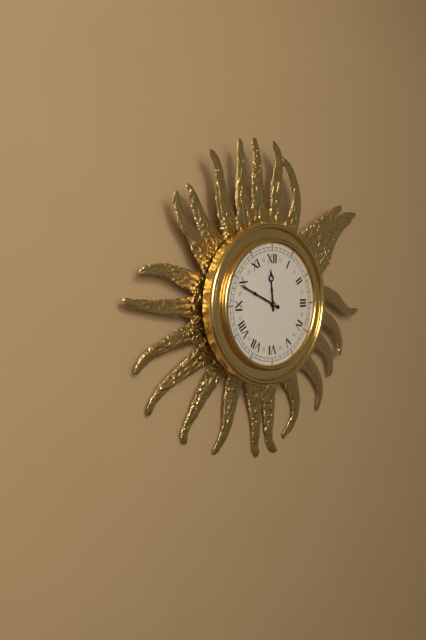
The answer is 11h49
